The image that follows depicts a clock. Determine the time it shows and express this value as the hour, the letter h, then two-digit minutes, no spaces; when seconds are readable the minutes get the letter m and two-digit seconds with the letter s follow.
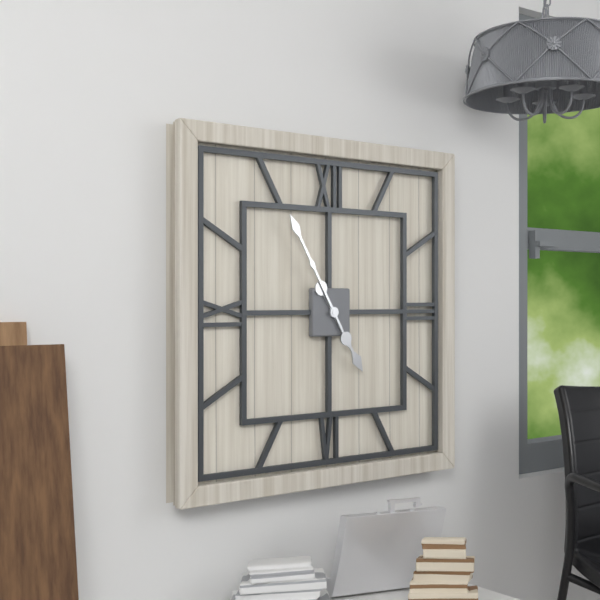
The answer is 4h55
